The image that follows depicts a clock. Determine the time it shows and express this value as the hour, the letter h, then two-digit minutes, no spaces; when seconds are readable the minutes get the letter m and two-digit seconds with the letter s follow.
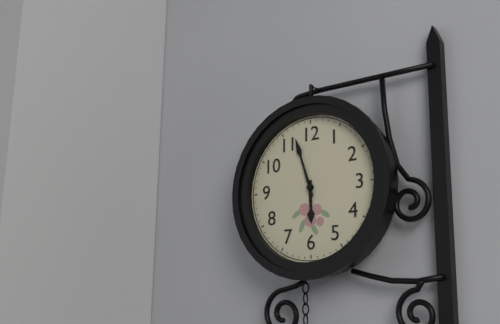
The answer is 5h57
